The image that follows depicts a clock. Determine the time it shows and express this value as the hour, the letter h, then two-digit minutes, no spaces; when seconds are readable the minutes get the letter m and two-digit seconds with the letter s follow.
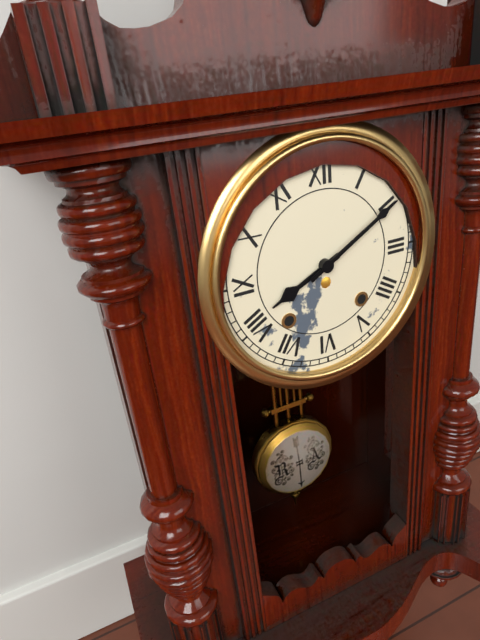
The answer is 8h10
